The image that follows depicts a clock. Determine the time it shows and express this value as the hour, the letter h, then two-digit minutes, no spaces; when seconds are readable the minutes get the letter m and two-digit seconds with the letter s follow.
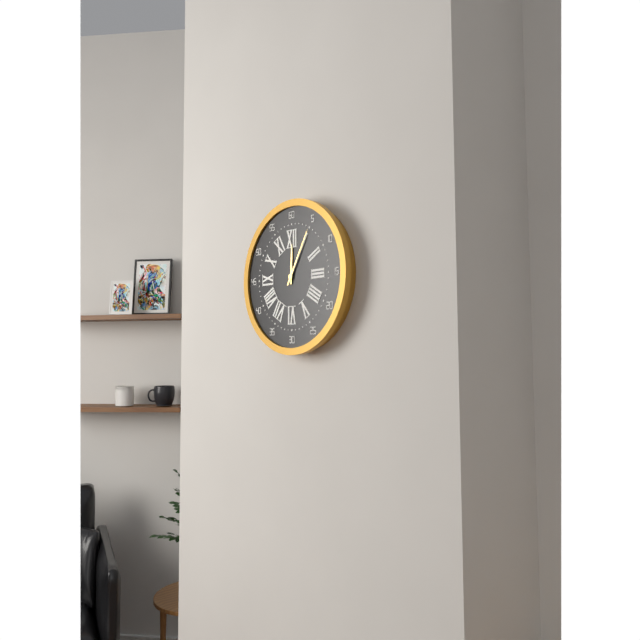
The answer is 12h05
